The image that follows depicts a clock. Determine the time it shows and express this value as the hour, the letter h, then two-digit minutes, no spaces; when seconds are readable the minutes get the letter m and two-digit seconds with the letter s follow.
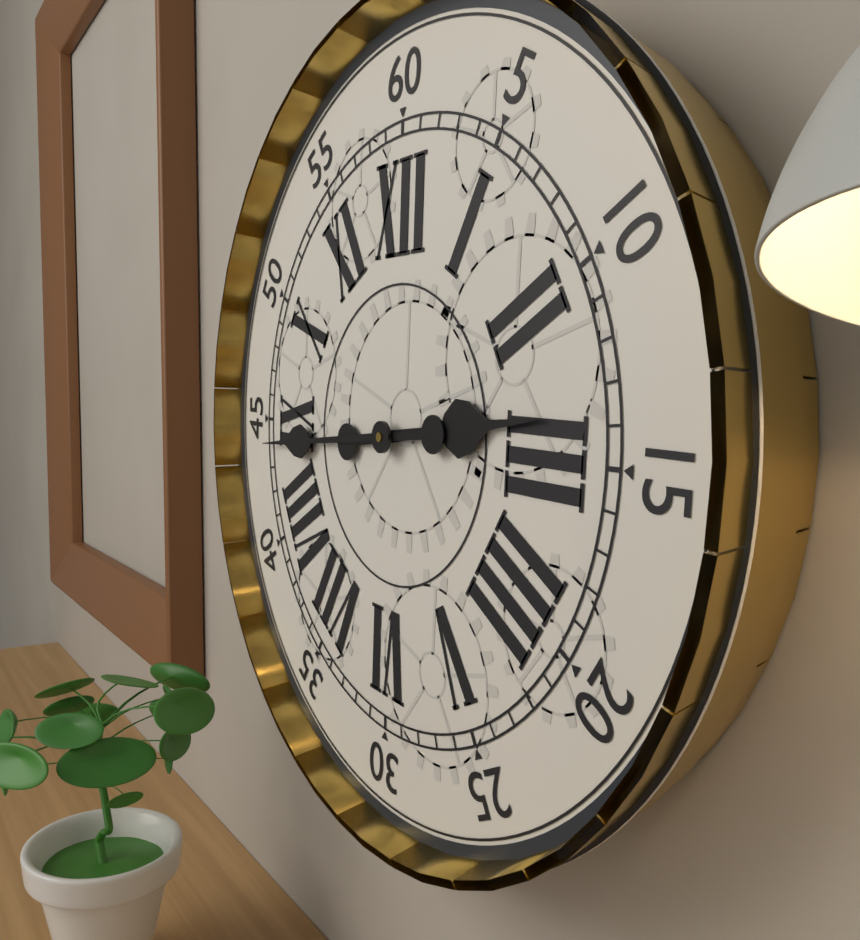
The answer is 2h44
